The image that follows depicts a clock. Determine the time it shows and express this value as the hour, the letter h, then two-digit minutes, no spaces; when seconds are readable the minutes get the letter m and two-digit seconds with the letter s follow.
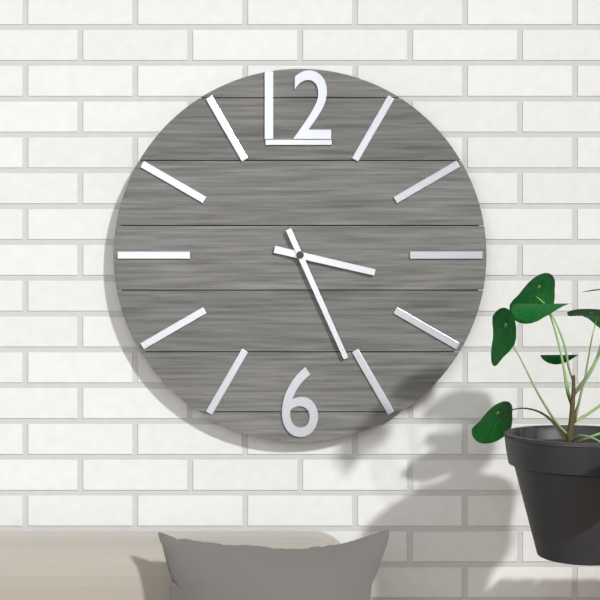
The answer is 3h26
